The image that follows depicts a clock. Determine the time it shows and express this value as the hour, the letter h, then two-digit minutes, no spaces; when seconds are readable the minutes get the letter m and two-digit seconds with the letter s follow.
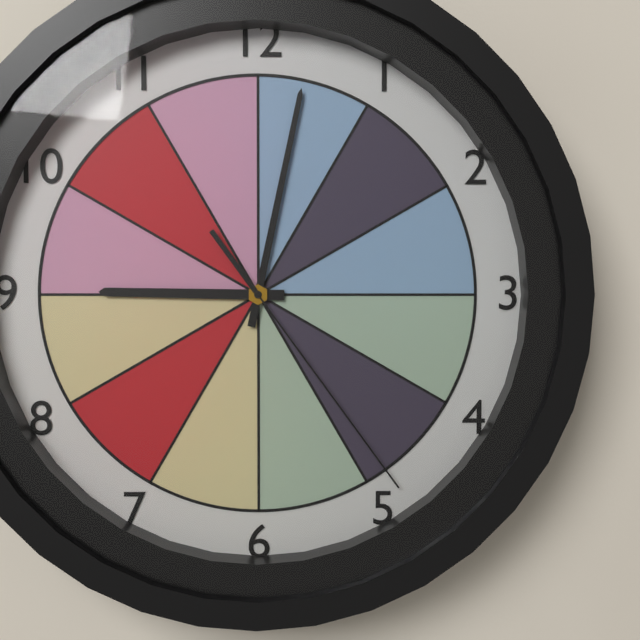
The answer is 9h02m24s
